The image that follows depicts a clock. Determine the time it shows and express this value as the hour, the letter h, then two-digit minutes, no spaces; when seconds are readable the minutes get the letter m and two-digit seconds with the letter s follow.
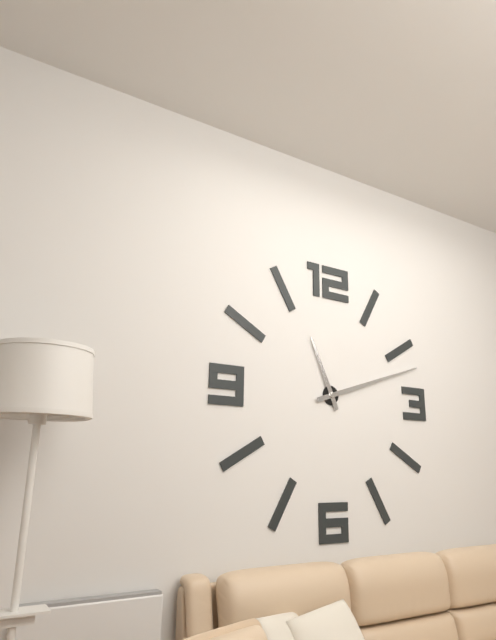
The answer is 11h12
